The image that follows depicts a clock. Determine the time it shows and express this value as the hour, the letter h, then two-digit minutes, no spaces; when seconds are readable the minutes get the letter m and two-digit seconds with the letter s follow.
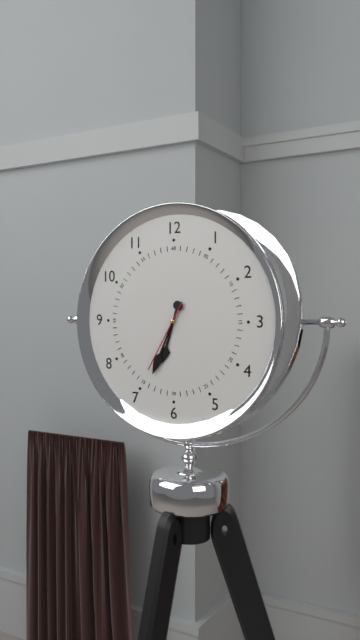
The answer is 6h34m35s
